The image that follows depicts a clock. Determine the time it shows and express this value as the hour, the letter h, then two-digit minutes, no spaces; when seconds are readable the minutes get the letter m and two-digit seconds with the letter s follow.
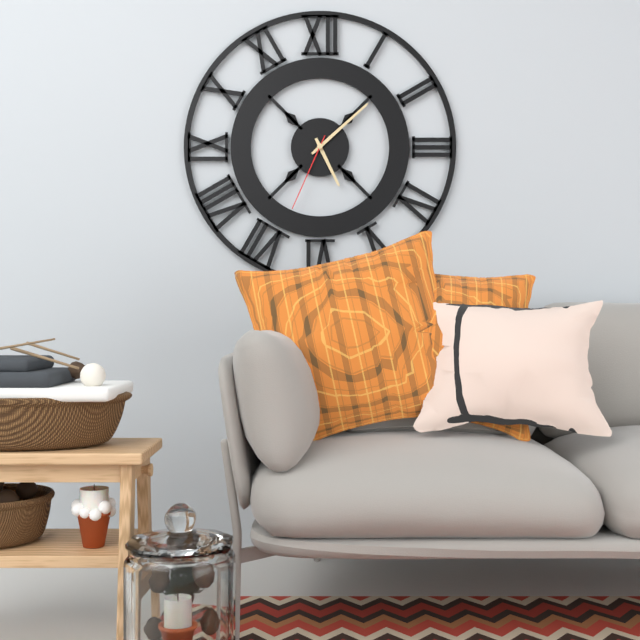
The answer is 5h08m34s
